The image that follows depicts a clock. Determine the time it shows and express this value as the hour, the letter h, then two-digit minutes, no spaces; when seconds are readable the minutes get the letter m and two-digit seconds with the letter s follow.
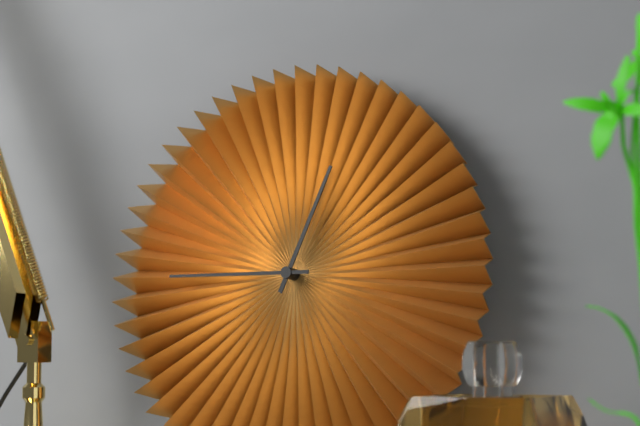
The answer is 12h45
